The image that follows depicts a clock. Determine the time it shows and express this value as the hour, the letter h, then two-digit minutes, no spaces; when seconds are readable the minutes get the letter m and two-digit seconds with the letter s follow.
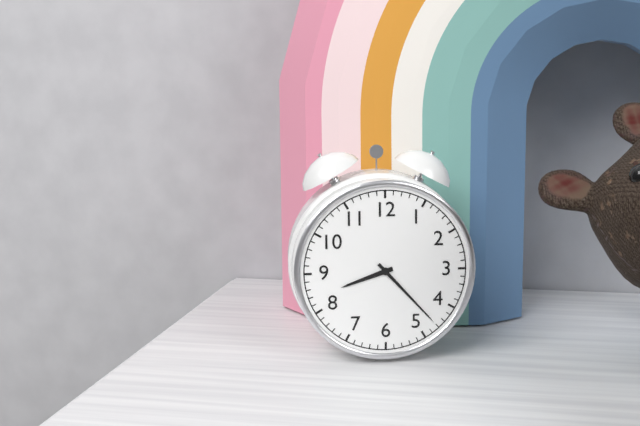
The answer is 8h23
